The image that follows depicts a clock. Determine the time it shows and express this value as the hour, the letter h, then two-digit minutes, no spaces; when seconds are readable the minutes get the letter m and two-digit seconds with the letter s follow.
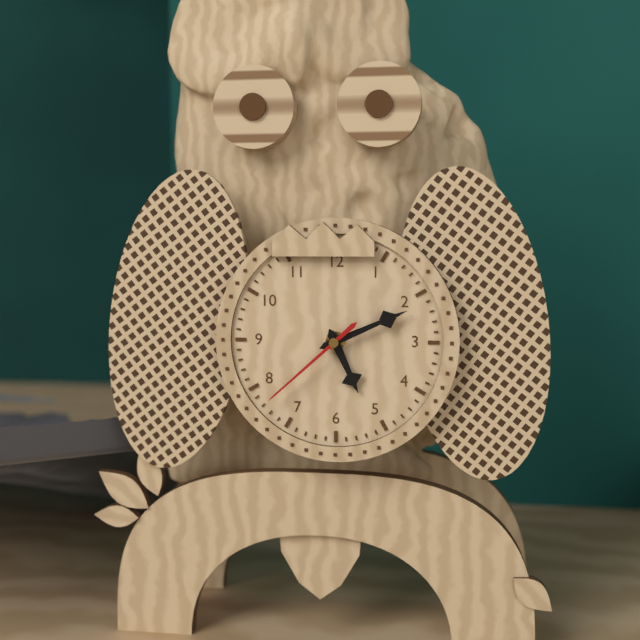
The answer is 5h11m38s
